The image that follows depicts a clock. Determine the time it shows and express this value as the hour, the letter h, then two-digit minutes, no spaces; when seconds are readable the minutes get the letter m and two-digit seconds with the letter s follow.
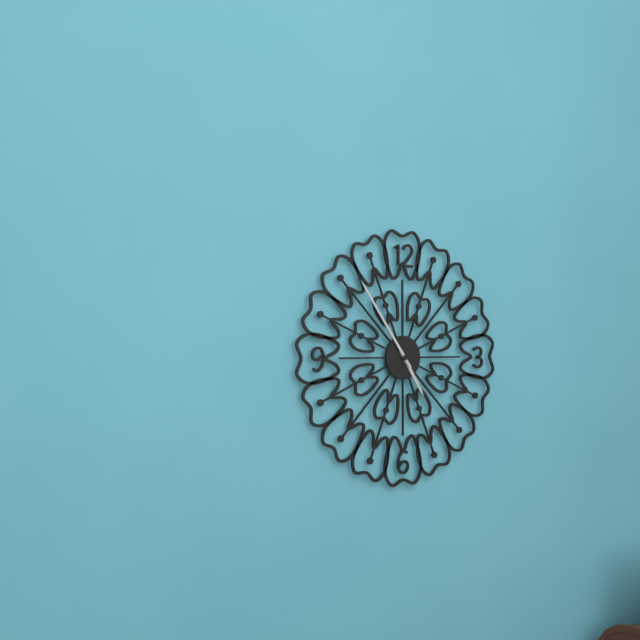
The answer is 4h54
